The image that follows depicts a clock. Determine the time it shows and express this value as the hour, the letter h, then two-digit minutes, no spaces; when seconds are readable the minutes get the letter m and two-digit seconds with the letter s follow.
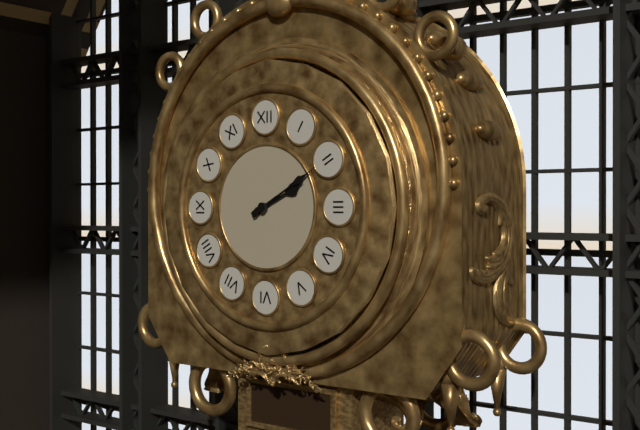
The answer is 2h10
